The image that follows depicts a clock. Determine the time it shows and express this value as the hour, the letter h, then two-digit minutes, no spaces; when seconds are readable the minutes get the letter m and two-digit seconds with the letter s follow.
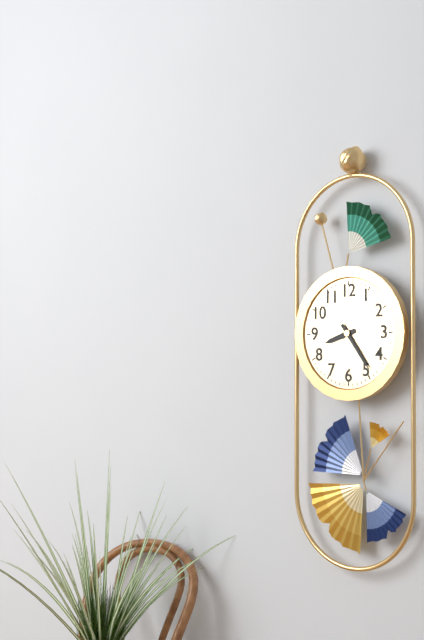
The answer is 8h24
